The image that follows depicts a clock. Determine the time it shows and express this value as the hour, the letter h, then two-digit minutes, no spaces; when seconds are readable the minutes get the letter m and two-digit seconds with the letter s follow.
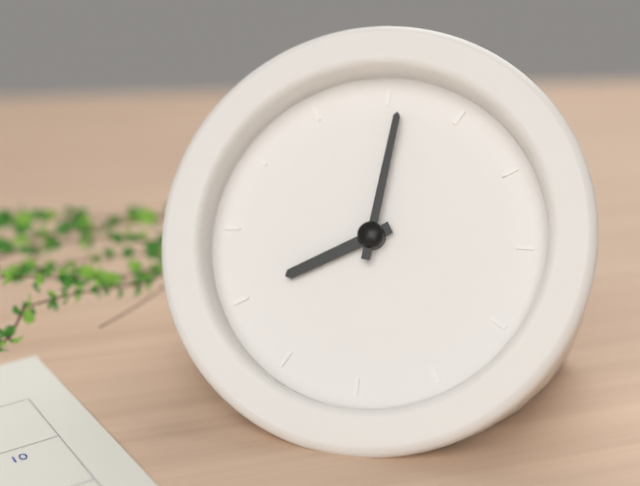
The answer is 8h01
